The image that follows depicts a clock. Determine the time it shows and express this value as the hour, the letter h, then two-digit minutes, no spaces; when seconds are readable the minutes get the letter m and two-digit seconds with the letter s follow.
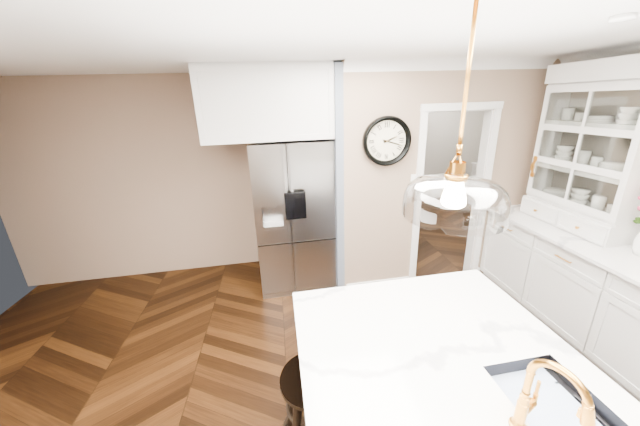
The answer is 2h18
